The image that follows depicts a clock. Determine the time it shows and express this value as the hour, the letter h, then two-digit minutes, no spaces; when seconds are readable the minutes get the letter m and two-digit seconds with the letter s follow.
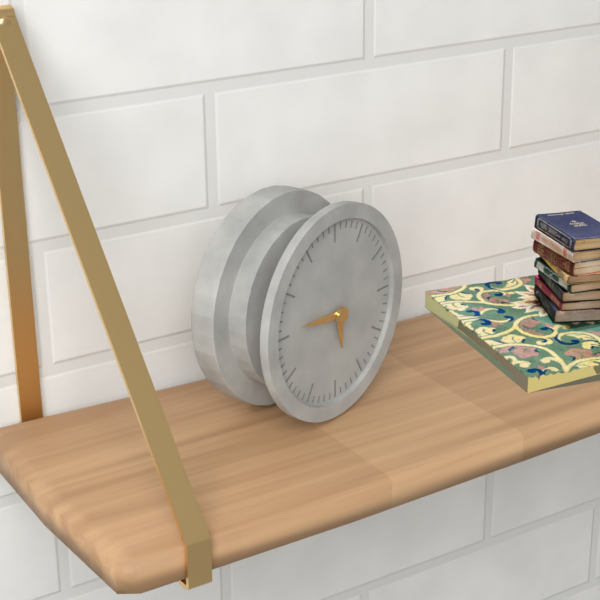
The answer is 5h46
